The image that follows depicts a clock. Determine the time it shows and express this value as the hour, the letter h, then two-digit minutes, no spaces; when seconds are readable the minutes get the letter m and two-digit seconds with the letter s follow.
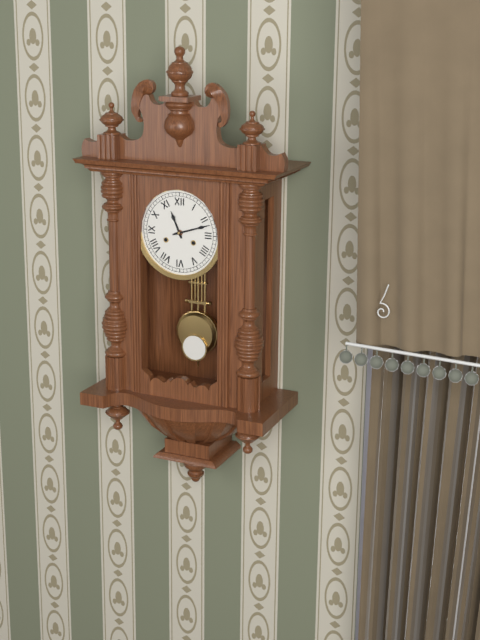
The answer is 11h12
